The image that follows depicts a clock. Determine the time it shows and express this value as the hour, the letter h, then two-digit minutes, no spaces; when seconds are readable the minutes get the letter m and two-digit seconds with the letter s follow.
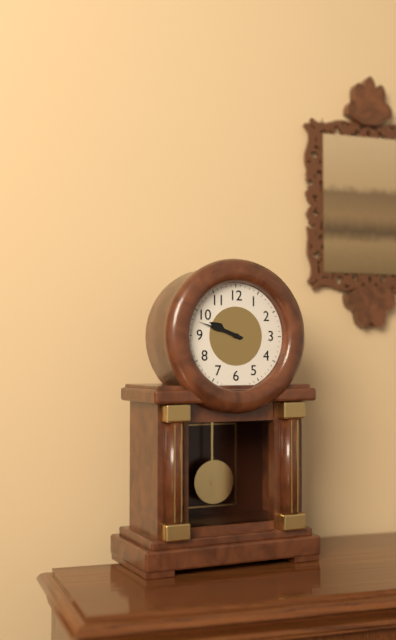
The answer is 9h48
